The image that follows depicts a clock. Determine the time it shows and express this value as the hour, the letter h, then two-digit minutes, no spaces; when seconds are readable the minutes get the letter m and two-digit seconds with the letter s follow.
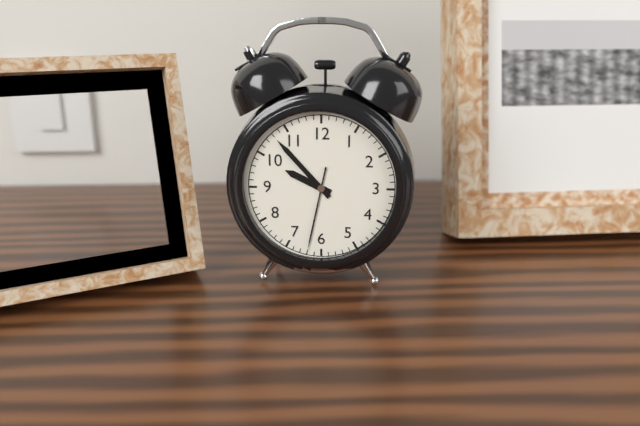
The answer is 9h53m32s
